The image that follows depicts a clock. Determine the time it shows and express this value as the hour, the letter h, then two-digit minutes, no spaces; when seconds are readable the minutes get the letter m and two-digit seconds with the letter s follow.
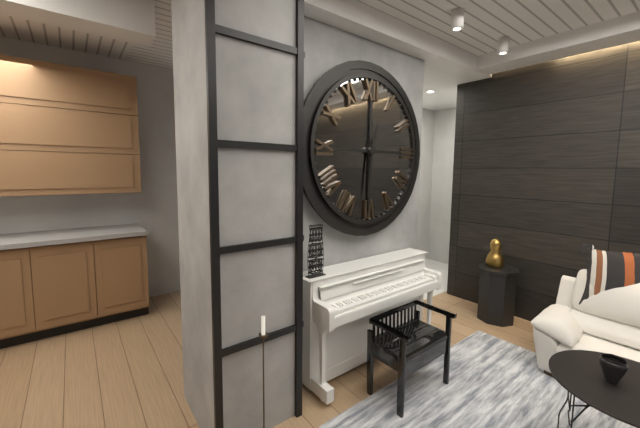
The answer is 12h31
